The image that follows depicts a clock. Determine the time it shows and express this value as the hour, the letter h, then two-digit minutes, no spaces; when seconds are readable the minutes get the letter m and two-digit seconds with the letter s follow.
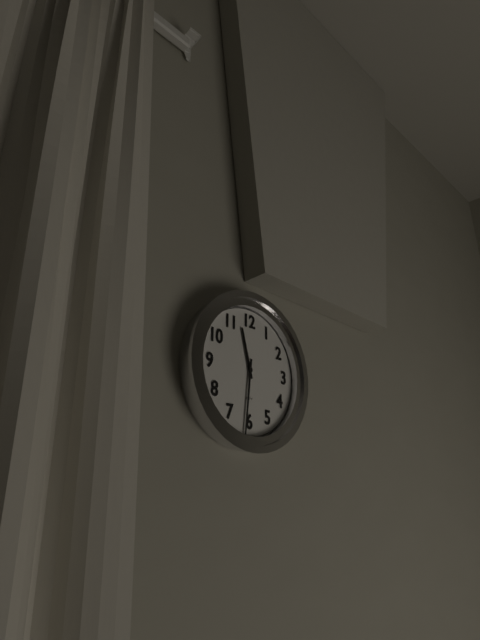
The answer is 11h31
